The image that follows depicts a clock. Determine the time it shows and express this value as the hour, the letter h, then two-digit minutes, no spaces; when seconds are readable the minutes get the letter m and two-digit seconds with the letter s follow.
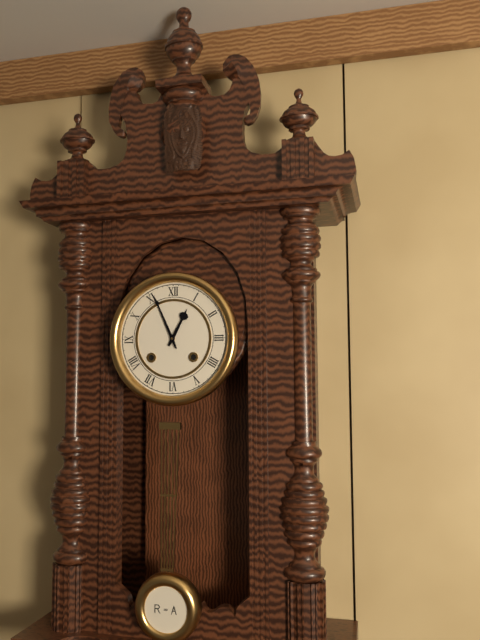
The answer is 12h56
